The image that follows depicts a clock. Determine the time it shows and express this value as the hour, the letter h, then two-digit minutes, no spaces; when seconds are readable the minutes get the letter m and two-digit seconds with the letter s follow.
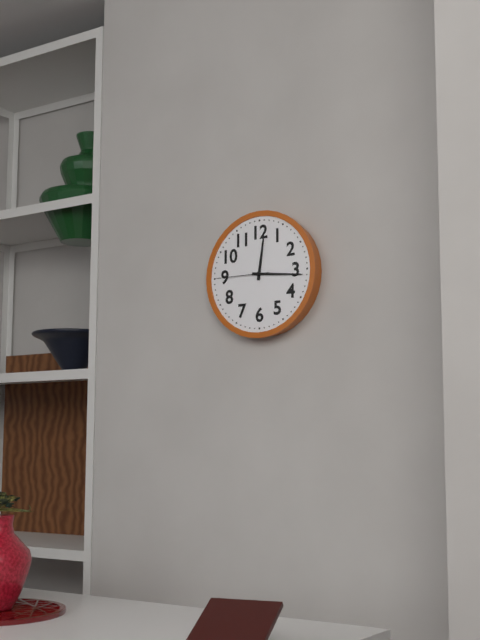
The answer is 12h16m45s
